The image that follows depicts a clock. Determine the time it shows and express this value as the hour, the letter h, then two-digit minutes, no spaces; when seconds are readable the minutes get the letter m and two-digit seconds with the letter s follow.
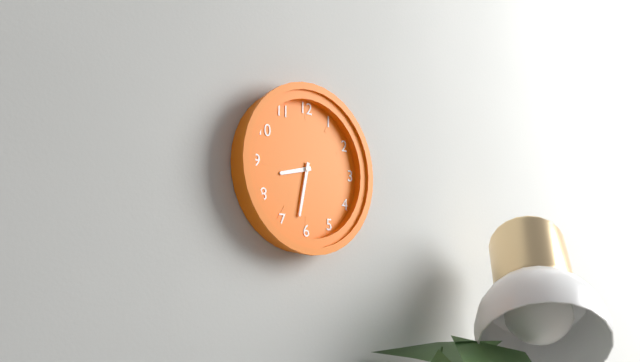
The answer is 8h32
